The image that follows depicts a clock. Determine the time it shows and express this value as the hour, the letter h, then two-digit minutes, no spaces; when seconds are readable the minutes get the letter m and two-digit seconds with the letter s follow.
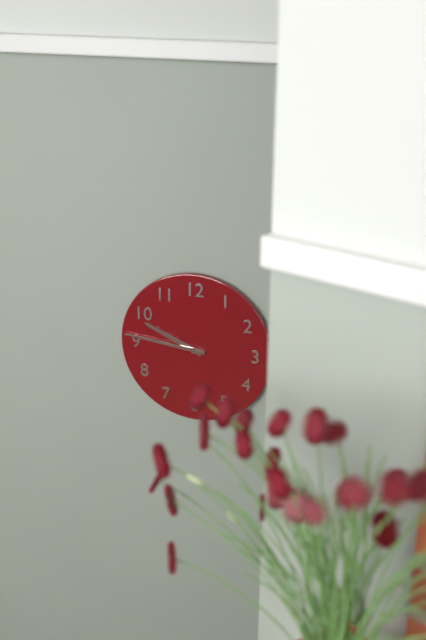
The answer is 9h46
